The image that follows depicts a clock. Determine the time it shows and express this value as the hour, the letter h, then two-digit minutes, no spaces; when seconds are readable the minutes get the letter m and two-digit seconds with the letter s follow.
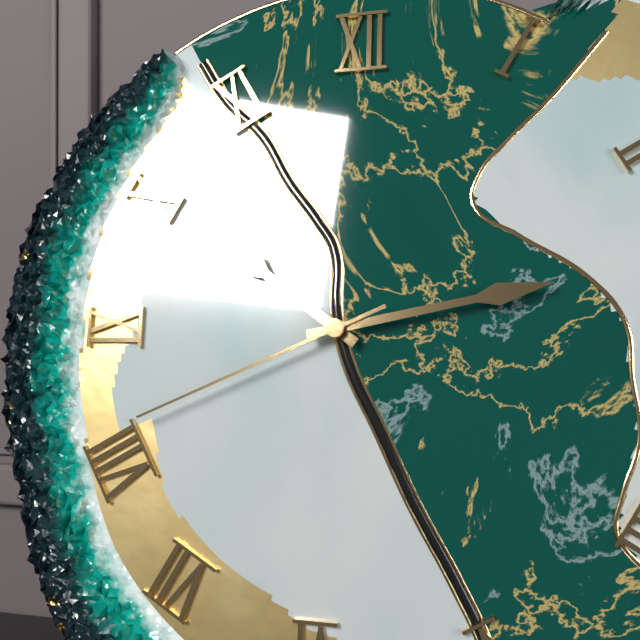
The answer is 10h13m41s
